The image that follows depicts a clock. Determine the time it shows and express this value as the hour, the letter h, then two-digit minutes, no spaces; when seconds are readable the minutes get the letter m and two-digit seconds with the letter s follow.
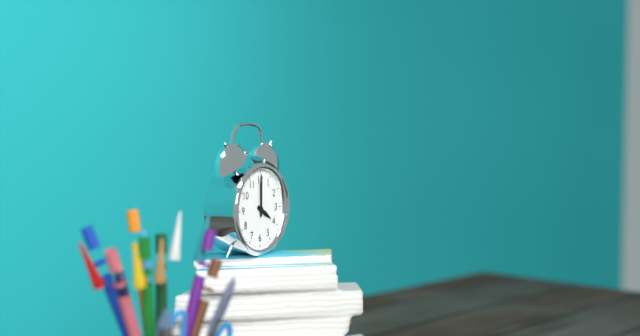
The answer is 4h00
